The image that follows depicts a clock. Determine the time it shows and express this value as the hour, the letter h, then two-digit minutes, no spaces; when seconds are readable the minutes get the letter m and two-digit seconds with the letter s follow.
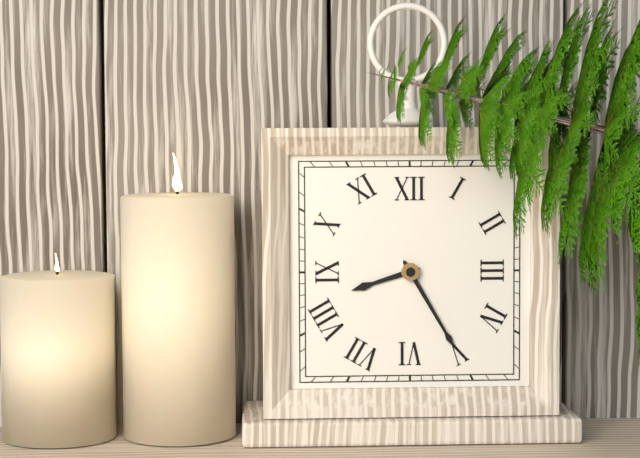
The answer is 8h25
